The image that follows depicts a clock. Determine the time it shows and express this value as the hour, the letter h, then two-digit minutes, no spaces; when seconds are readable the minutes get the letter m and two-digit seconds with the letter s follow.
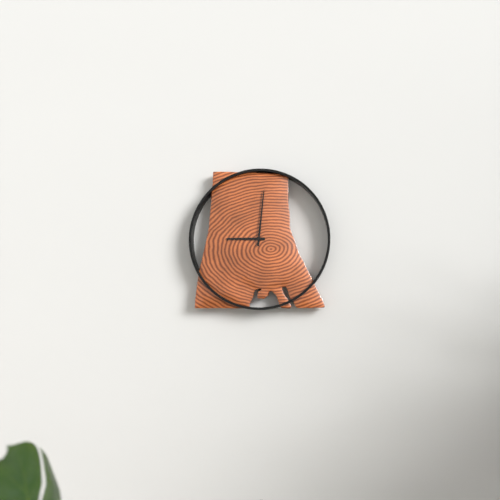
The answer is 9h01
